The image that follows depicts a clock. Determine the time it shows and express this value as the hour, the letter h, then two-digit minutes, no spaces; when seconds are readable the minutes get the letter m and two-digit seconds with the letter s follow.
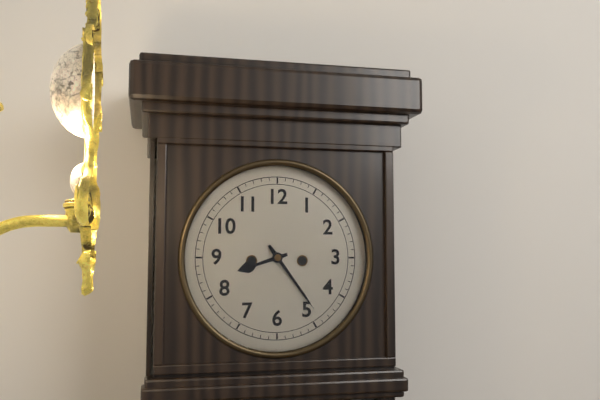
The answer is 8h24
